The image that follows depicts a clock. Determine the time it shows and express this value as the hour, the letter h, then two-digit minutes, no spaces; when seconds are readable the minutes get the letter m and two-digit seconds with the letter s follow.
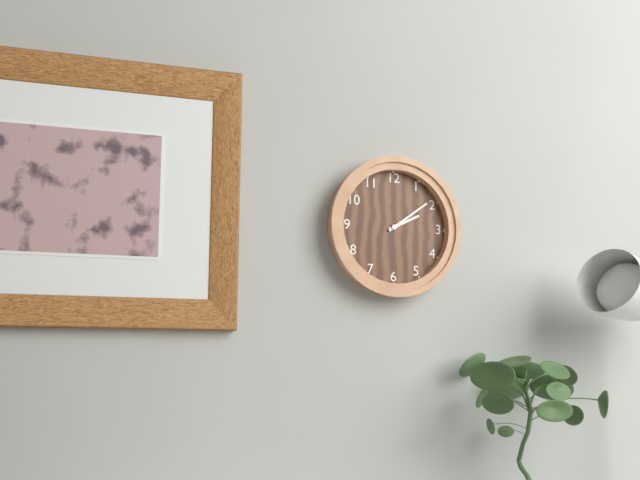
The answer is 2h09
